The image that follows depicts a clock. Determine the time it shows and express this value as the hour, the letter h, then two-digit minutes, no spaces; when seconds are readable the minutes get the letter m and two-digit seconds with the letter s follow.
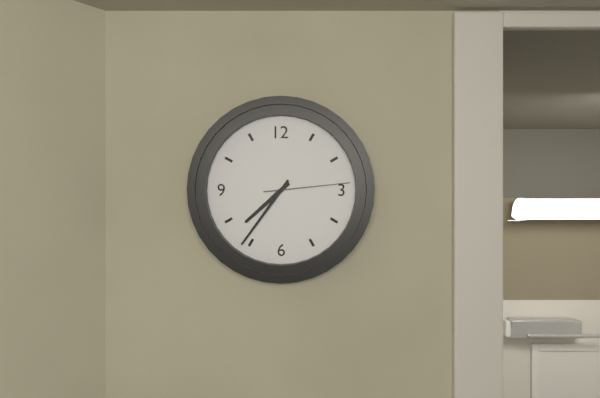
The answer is 7h36m14s
